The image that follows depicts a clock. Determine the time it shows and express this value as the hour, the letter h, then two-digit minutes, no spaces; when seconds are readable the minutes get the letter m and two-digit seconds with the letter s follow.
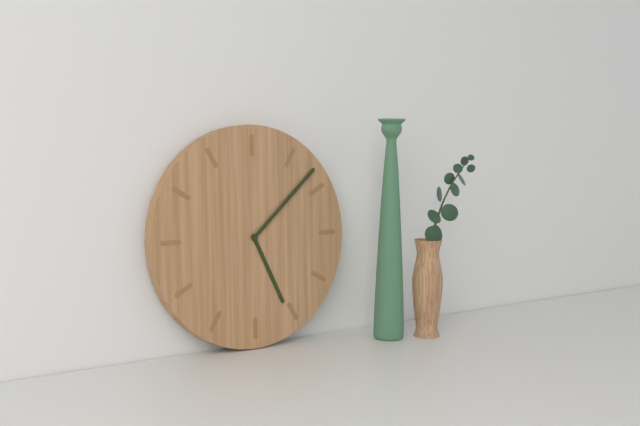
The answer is 5h08
